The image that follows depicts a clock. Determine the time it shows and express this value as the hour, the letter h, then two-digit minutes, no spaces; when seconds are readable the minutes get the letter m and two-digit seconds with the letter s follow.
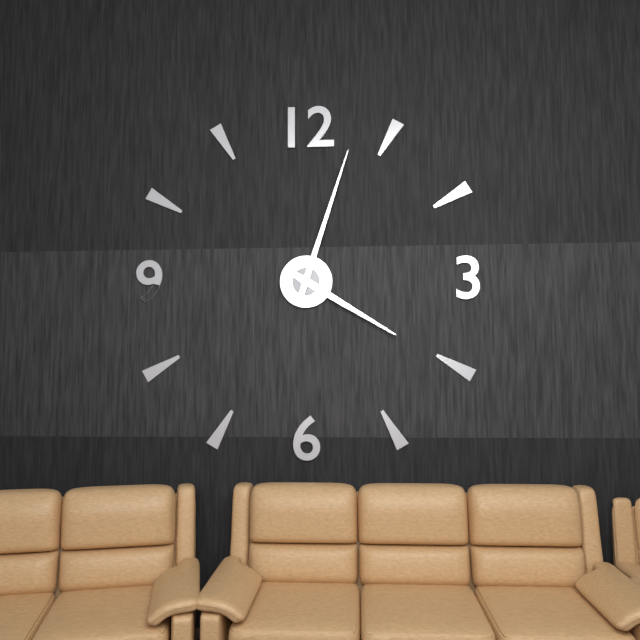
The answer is 4h03
